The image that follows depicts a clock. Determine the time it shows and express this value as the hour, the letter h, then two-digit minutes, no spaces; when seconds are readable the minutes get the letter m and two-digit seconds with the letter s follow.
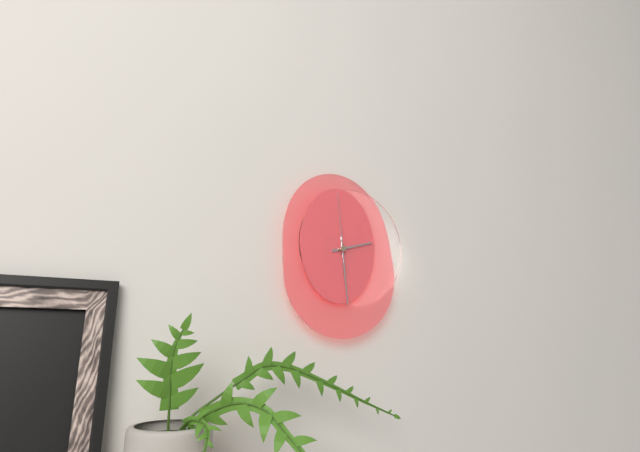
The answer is 2h29m59s
